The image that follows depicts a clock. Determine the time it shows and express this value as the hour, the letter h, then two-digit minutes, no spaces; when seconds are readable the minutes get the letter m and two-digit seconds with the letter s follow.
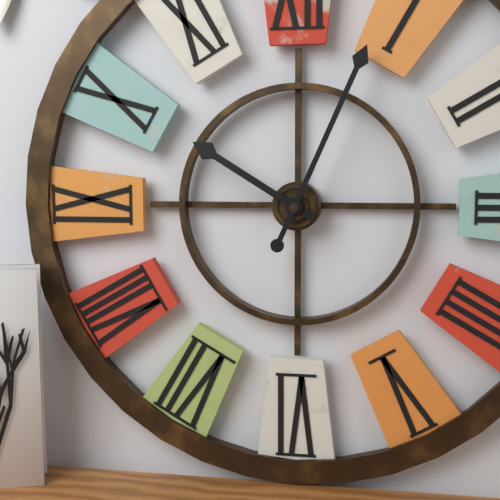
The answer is 10h04
